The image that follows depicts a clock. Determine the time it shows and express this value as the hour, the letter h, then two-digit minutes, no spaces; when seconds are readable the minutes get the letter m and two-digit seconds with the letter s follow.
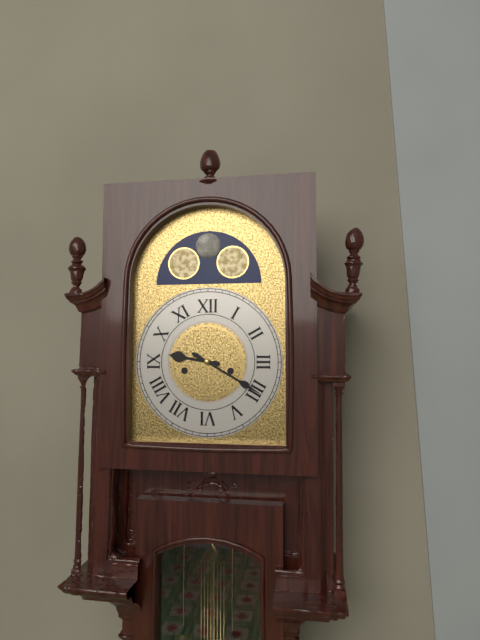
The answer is 9h20
